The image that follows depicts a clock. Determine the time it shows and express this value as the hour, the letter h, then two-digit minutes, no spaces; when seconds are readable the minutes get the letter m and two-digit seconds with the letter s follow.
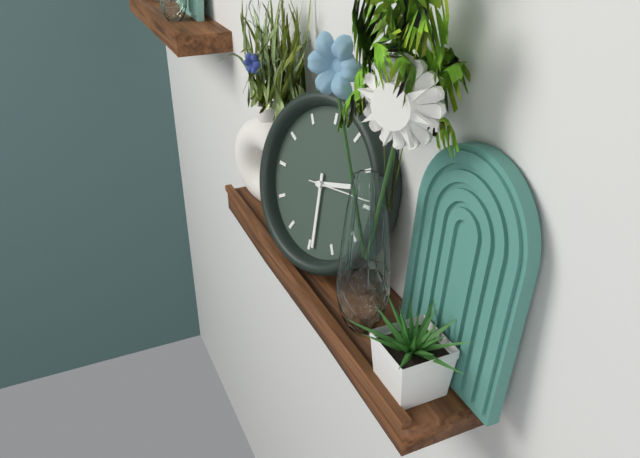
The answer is 2h29m14s
